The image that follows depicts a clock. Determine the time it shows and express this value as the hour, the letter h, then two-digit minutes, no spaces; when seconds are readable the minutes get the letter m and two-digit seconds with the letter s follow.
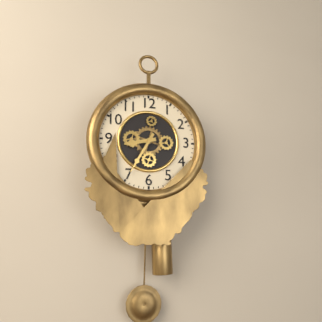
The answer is 8h35
